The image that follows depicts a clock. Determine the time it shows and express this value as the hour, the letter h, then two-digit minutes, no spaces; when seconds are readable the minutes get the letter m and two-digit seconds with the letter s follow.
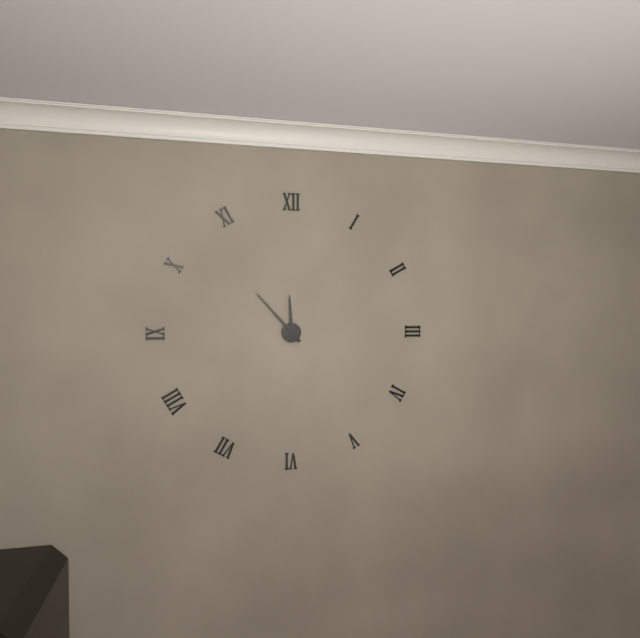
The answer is 11h53
